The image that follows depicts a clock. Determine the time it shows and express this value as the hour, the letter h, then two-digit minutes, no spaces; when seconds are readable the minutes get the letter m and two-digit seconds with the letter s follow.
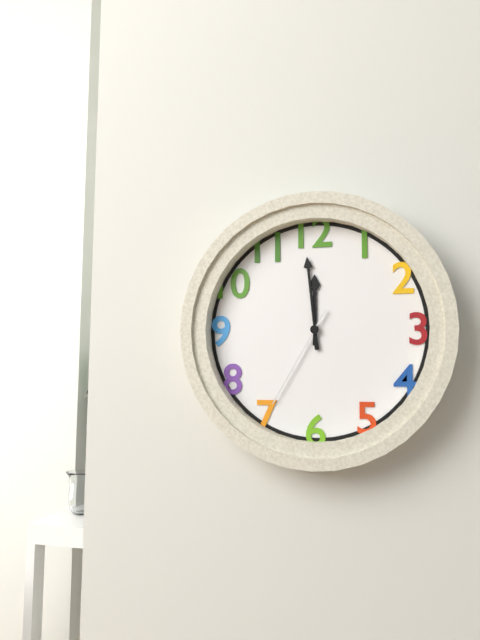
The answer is 11h59m35s
